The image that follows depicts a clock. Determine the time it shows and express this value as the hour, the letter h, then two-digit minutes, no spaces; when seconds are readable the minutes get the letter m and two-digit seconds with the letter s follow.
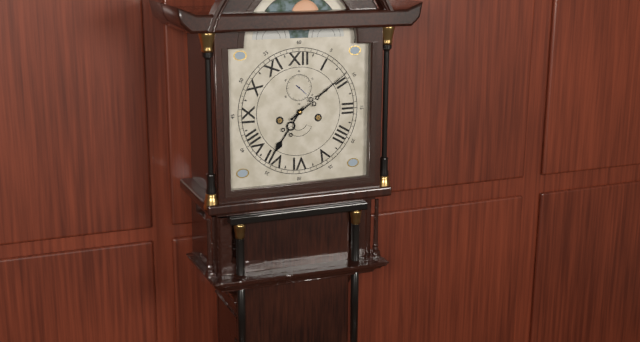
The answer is 7h09
